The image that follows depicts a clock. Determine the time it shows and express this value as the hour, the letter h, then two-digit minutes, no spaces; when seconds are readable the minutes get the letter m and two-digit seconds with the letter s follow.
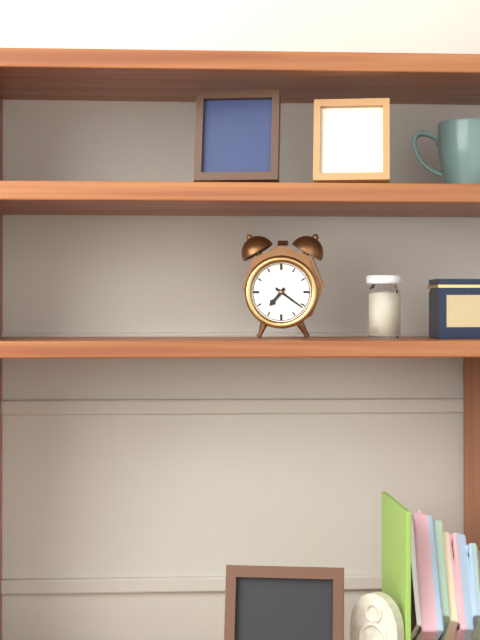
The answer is 7h21
